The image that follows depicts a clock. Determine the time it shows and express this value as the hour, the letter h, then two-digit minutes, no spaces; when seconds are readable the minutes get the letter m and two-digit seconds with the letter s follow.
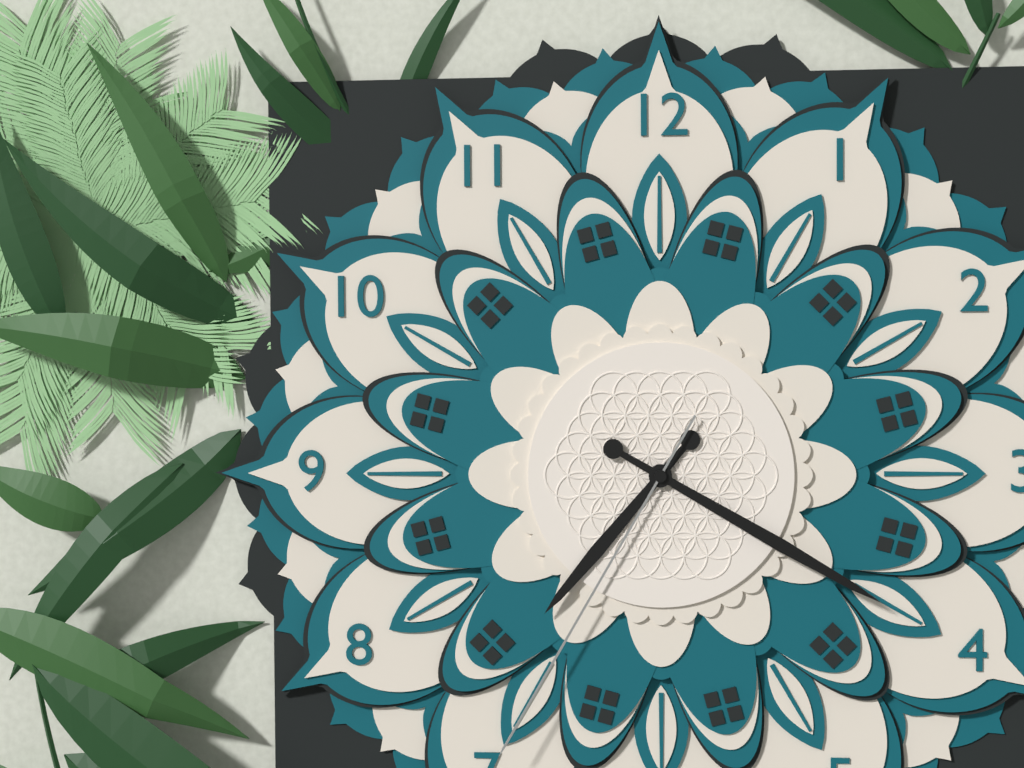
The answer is 7h20m35s
